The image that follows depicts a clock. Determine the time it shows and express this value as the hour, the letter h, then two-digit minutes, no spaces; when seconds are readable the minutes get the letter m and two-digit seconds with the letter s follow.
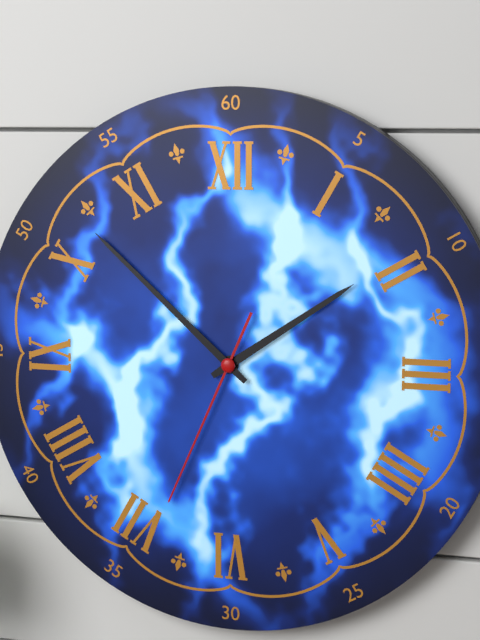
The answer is 1h52m34s
